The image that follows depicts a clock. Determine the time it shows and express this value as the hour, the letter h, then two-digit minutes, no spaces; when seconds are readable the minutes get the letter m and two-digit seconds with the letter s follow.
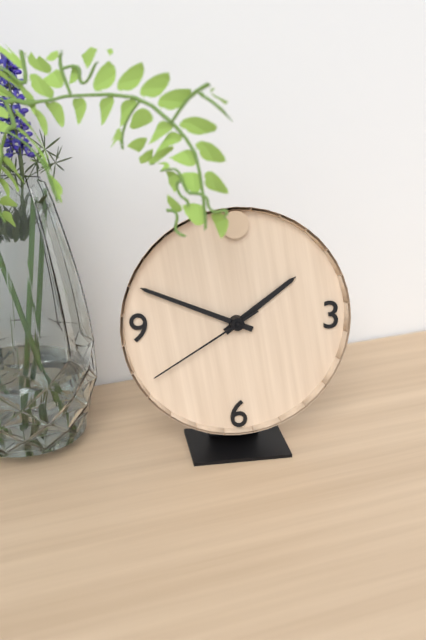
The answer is 1h49m40s
